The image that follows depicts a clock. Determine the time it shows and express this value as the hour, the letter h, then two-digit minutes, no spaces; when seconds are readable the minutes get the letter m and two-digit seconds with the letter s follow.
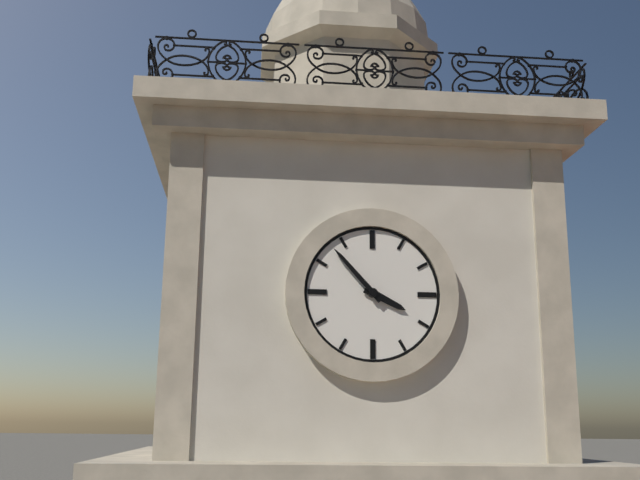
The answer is 3h53
